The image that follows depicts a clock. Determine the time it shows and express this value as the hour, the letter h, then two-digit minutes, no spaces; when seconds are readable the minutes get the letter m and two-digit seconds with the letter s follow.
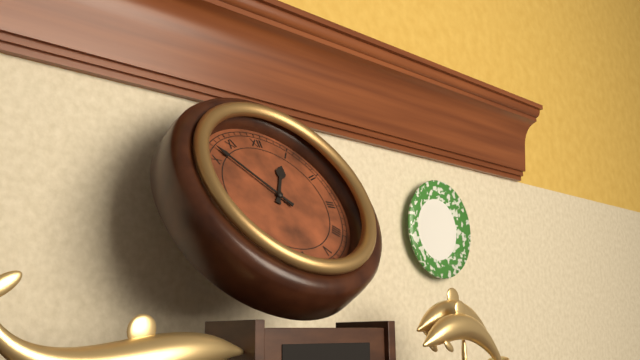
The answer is 12h52
